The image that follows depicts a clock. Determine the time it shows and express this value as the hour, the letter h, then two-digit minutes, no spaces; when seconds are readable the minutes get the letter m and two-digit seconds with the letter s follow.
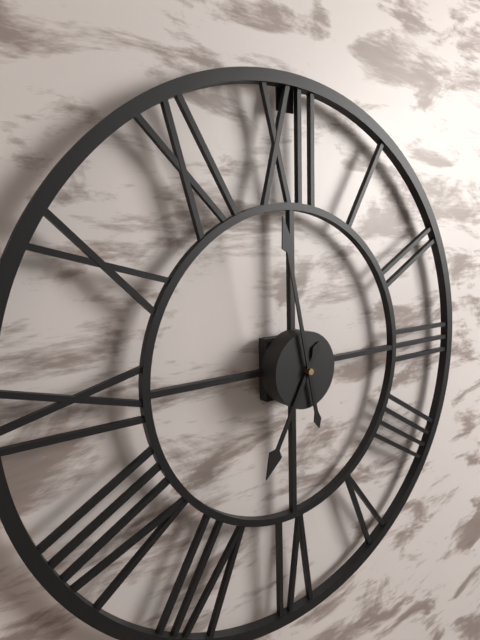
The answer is 6h58
